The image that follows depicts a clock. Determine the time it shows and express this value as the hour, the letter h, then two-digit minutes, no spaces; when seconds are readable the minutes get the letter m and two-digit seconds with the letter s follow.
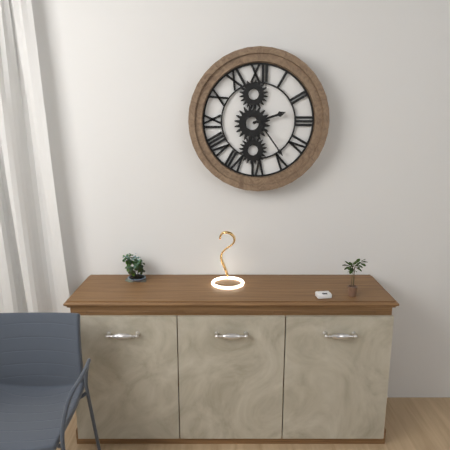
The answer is 2h24
